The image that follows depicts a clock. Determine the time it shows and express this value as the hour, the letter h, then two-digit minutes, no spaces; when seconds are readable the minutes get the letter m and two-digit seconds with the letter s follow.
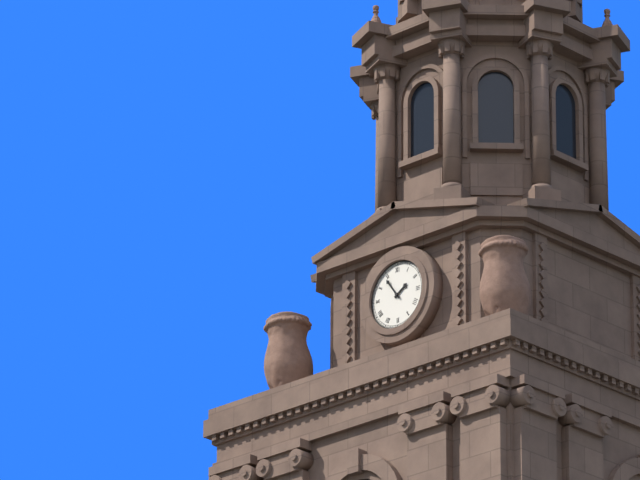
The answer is 1h54
